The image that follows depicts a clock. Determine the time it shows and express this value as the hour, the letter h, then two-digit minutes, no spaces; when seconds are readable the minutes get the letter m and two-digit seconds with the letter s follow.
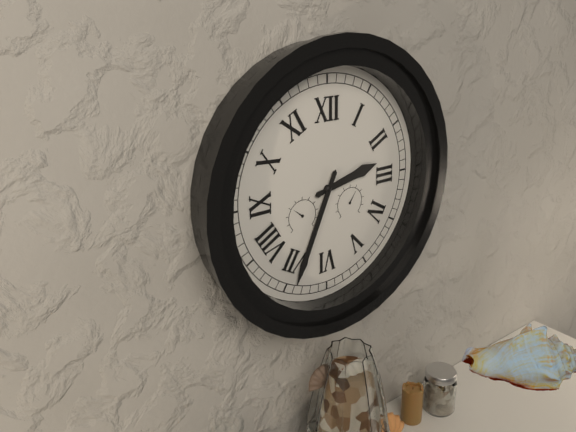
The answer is 2h34
